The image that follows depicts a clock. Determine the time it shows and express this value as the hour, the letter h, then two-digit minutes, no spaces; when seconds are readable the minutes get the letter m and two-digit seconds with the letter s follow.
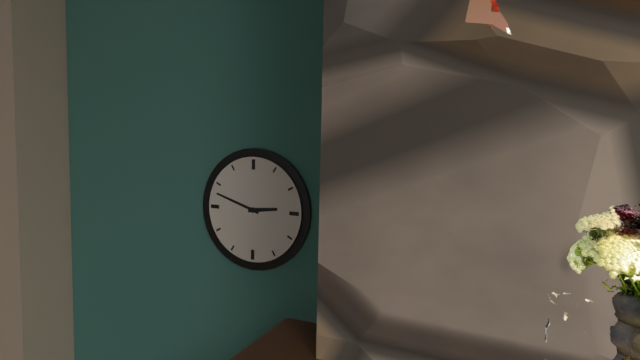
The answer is 2h48
